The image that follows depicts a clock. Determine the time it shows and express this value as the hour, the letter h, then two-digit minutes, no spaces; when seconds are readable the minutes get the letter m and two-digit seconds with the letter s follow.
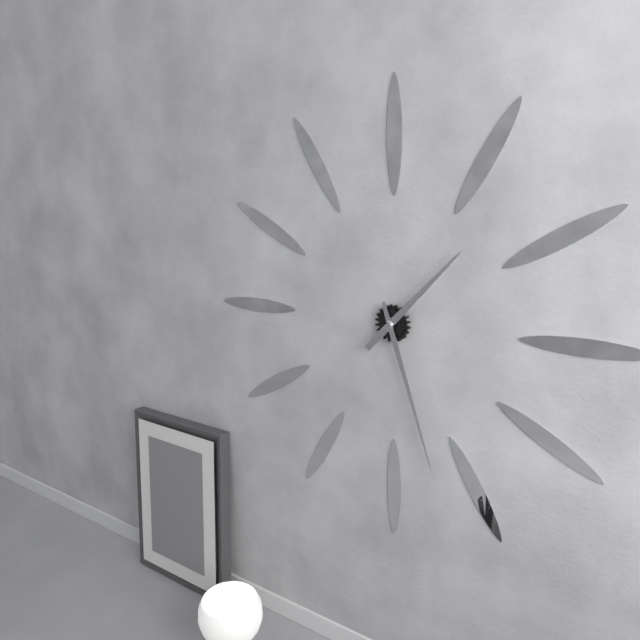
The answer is 1h27
